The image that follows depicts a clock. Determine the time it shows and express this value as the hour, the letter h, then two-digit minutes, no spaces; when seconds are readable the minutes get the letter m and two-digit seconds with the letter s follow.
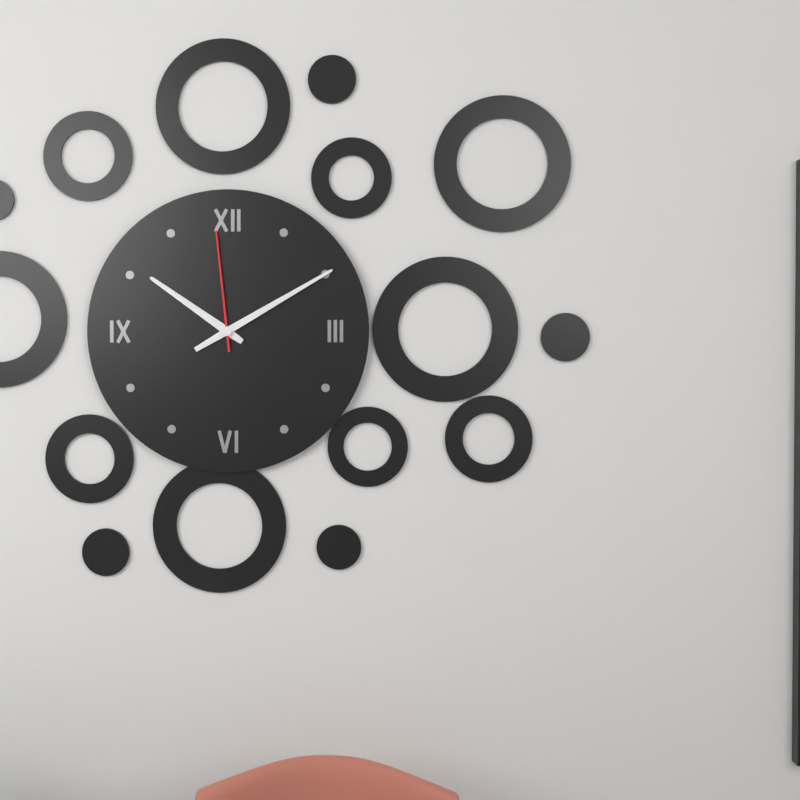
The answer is 10h10m59s
